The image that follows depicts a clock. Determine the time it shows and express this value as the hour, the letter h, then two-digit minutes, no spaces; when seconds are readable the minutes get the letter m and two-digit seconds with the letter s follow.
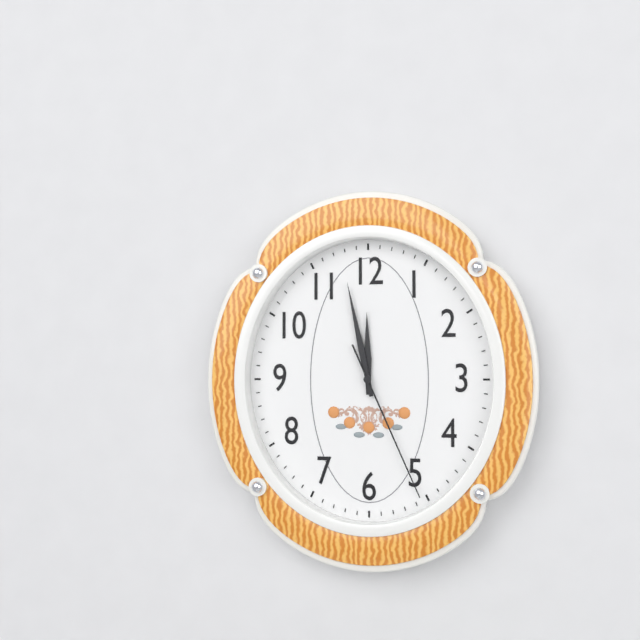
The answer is 11h58m26s
